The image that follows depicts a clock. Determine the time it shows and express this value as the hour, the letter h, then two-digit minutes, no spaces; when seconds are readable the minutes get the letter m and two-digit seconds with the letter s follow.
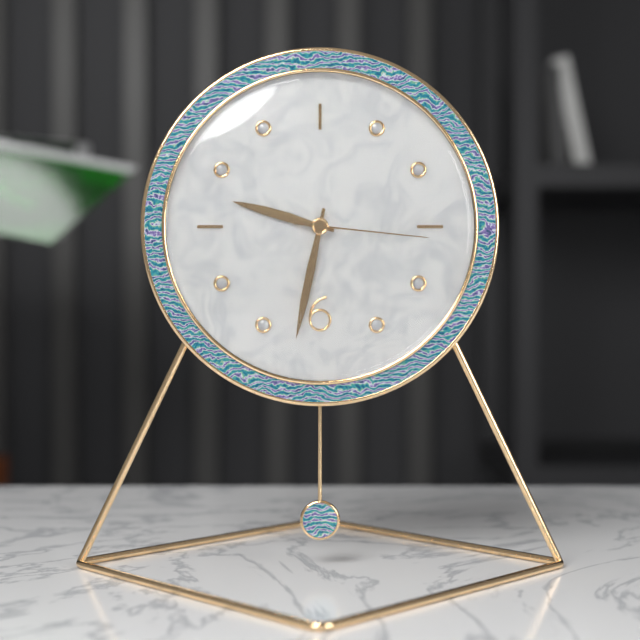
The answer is 9h32m16s
